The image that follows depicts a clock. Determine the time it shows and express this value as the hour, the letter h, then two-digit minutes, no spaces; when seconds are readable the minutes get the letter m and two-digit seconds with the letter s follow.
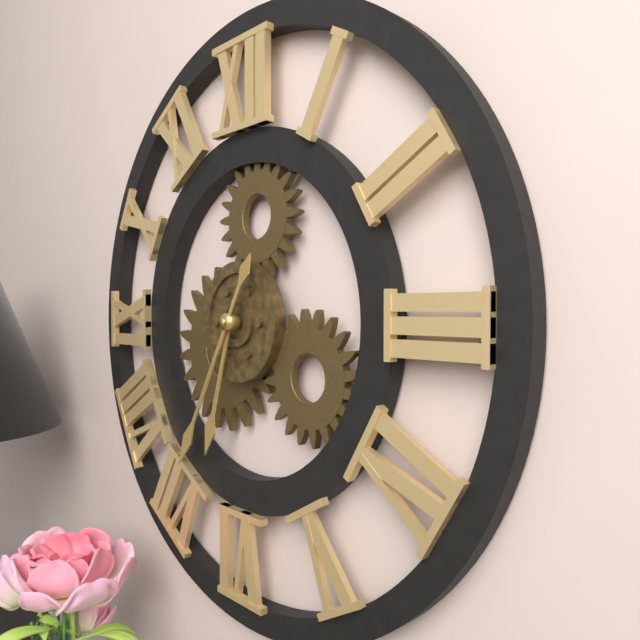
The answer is 6h35
